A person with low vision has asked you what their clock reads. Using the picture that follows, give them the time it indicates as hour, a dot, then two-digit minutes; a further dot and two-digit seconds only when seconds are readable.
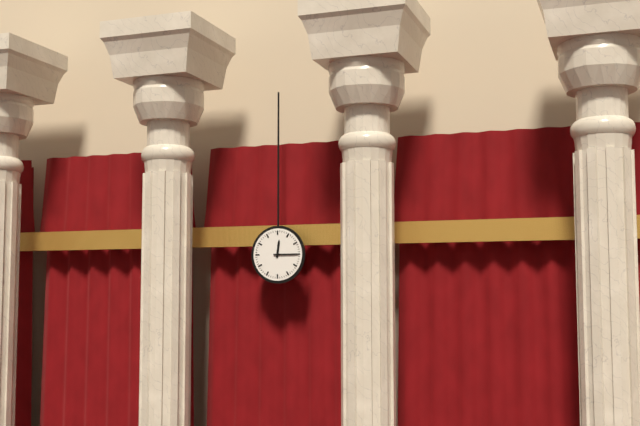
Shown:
12.15
